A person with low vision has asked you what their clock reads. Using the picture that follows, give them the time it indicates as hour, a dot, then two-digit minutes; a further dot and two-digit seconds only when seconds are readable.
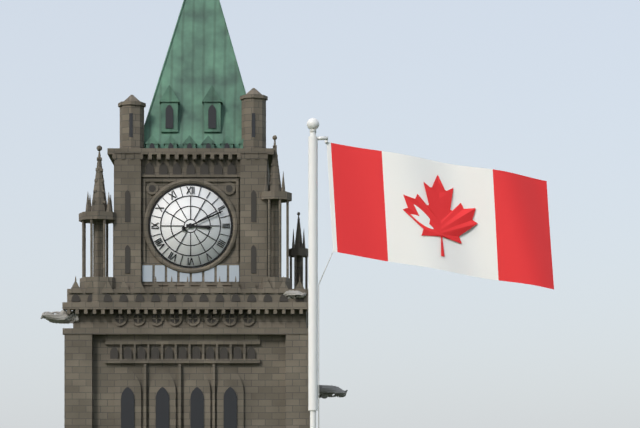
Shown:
3.11
